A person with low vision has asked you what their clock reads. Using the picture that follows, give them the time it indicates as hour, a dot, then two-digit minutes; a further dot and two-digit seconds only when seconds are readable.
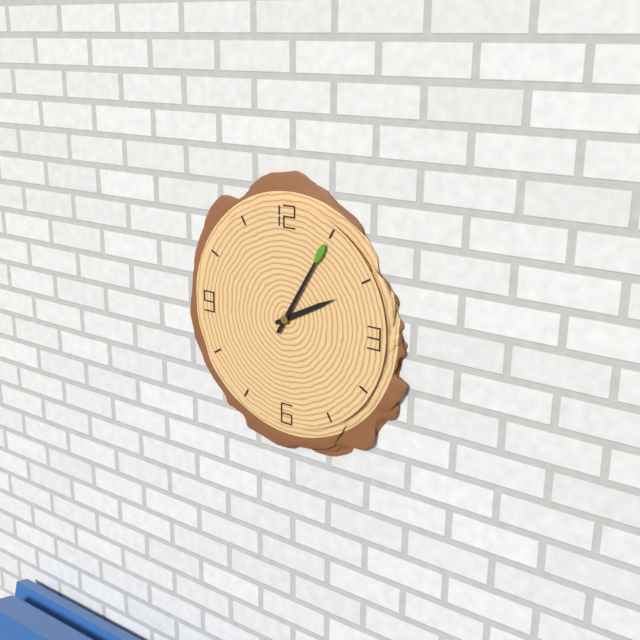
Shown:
2.05
